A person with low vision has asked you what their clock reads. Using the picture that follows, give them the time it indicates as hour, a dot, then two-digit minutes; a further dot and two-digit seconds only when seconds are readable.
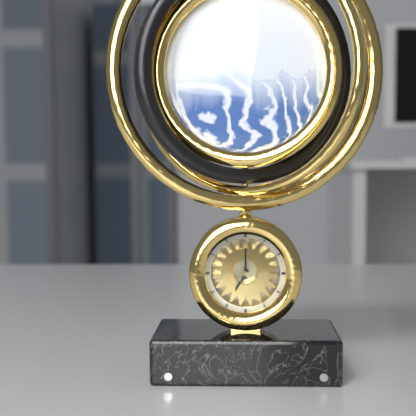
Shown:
7.00
